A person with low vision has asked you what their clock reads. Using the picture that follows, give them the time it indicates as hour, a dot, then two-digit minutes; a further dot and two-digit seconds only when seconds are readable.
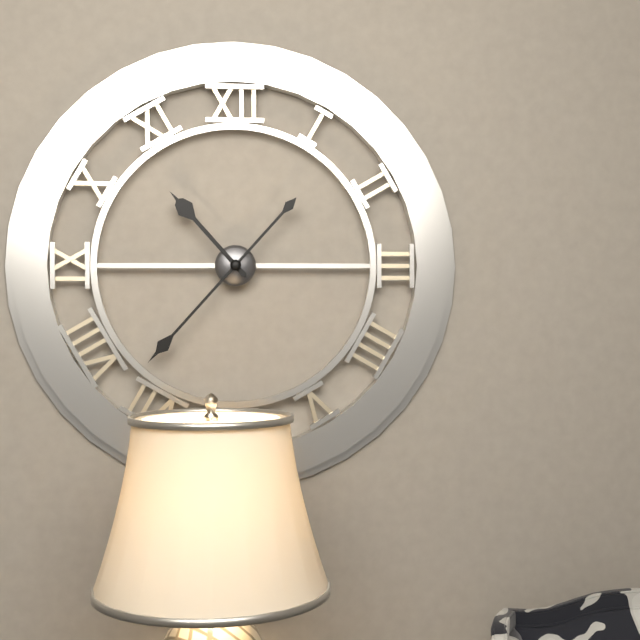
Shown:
10.37
